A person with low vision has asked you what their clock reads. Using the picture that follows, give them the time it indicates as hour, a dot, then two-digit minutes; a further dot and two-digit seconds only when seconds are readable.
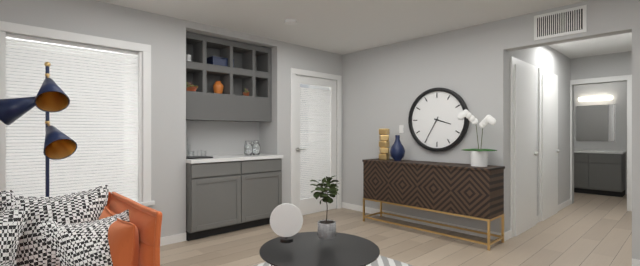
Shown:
3.35
